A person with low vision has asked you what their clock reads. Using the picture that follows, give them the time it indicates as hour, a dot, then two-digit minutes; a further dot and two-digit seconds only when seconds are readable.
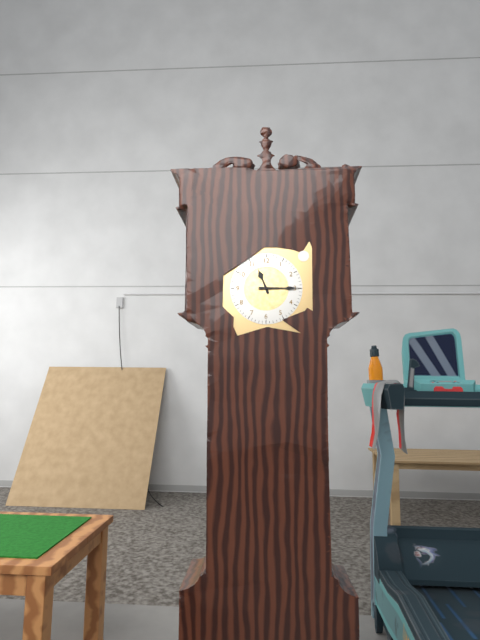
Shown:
11.15
